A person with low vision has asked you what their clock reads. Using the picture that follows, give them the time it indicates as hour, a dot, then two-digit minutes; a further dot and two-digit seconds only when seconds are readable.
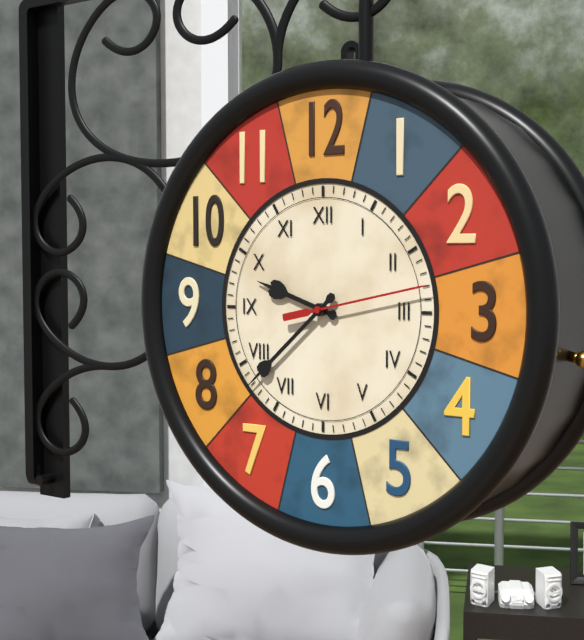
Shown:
9.38.13
